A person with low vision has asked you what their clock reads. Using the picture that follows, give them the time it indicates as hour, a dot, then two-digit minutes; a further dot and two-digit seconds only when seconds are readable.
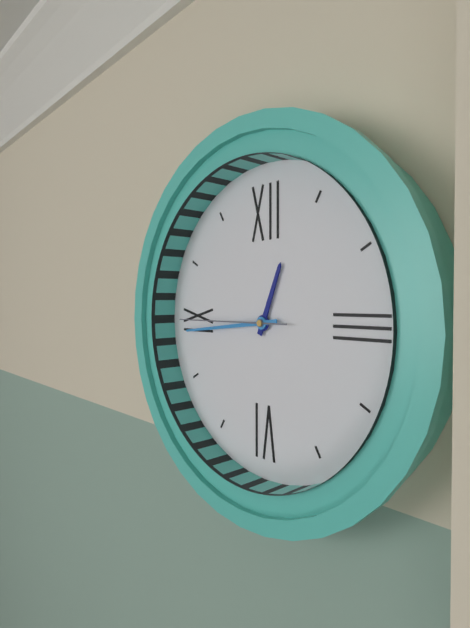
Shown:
12.44.45
